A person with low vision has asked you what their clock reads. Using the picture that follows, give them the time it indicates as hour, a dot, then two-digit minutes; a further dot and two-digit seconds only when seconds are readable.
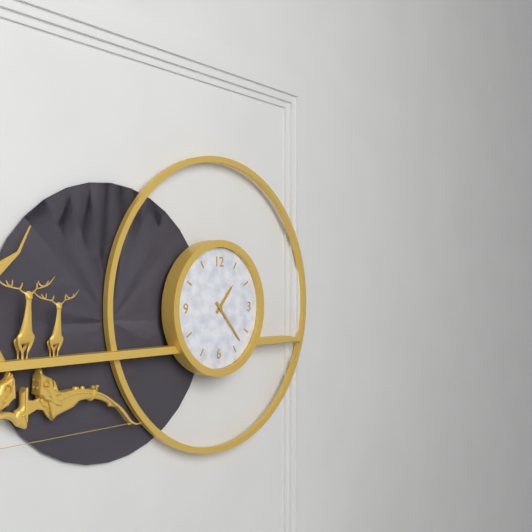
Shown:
1.23
